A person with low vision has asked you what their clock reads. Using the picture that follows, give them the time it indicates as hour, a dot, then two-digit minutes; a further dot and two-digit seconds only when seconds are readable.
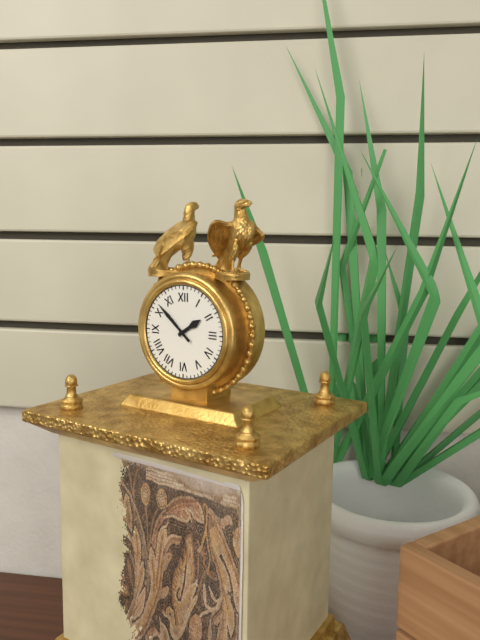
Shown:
1.52
